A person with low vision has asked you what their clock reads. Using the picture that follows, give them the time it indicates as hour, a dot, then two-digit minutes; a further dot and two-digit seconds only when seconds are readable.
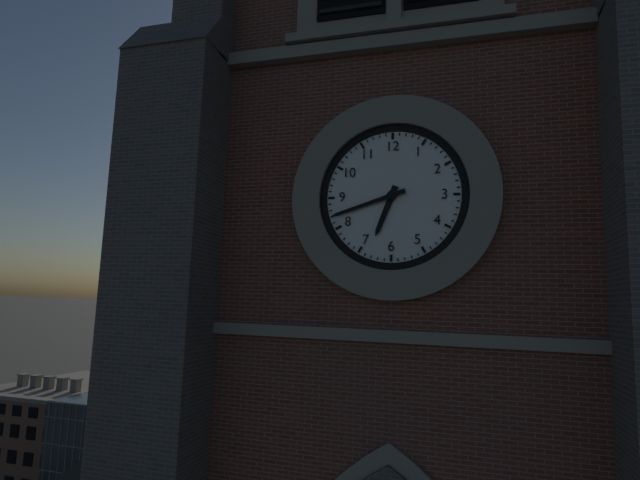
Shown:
6.42
